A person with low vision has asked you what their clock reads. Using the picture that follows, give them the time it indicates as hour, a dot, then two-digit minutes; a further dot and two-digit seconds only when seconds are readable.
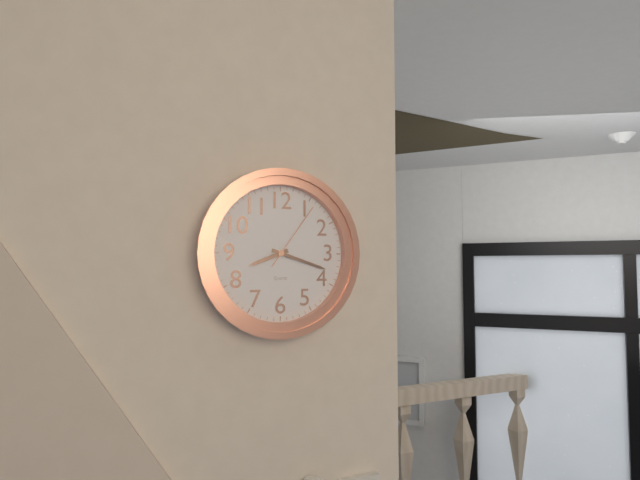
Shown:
8.18.06
